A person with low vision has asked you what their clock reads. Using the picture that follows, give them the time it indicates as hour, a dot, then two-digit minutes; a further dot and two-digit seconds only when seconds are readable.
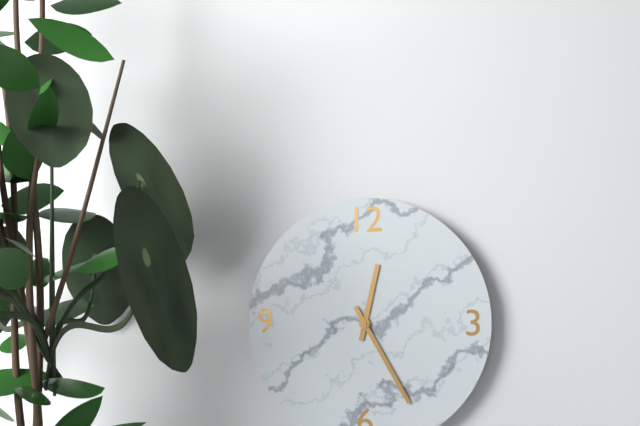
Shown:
12.25
